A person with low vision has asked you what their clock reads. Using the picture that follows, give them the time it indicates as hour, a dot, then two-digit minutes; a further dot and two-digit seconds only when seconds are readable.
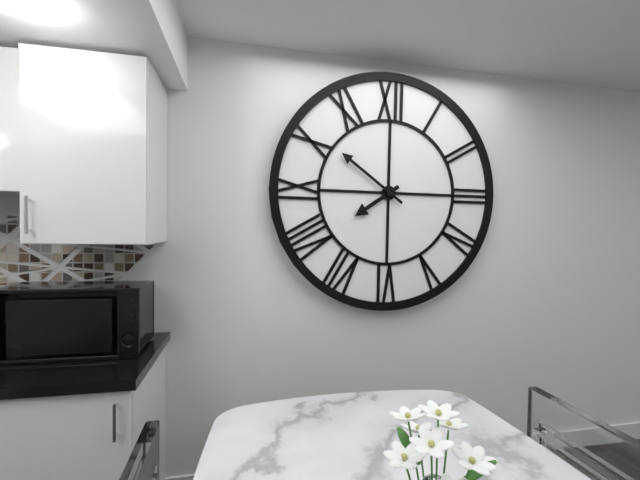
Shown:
7.51
